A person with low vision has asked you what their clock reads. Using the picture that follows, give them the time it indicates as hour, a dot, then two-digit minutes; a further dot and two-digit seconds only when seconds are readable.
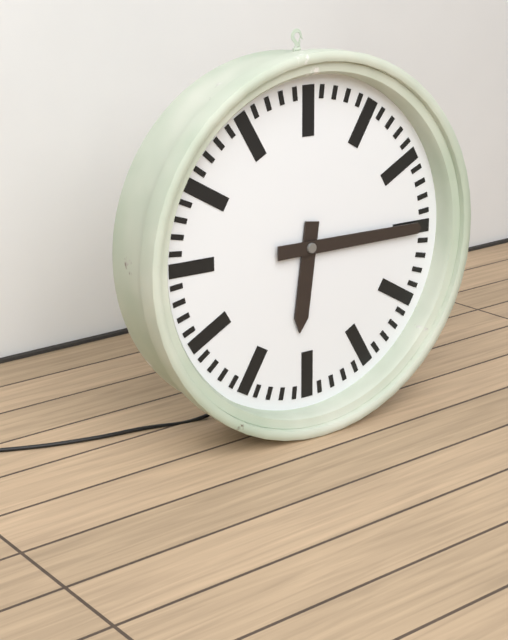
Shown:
6.15
